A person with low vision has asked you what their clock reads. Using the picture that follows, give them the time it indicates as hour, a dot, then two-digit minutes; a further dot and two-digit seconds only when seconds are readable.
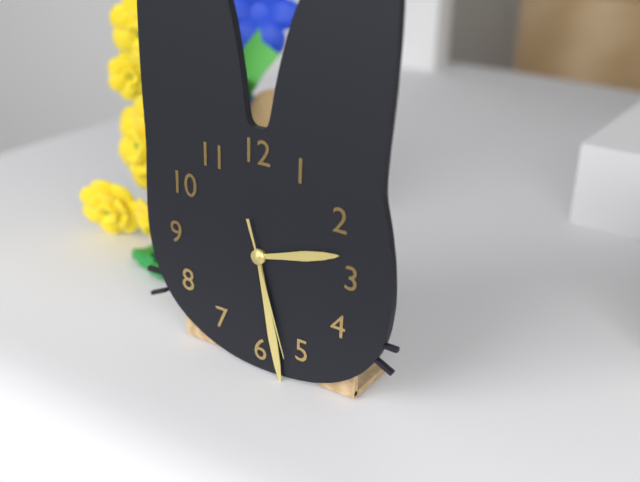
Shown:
2.28.27
